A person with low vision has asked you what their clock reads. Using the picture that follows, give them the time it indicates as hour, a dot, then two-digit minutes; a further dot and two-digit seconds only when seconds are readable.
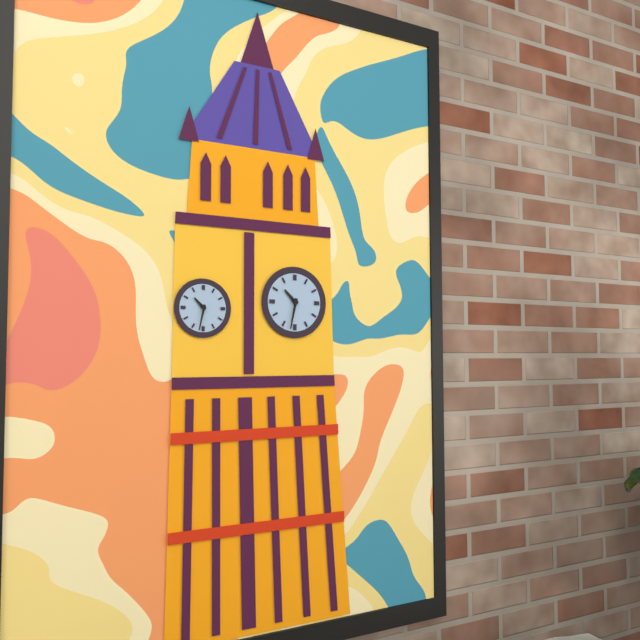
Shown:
10.32
